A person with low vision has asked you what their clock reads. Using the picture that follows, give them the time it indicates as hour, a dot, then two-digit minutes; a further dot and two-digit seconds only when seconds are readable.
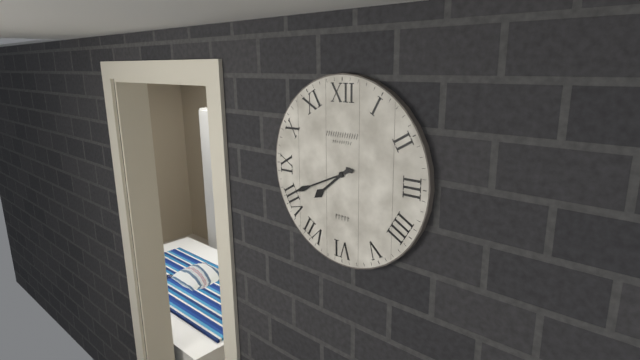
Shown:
7.41
